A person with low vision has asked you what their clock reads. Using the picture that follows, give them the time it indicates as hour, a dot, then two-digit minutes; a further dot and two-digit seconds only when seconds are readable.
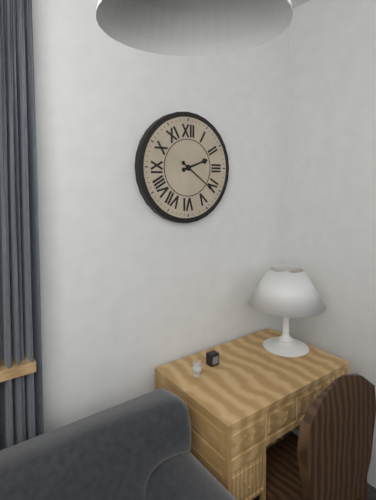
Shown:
2.21
